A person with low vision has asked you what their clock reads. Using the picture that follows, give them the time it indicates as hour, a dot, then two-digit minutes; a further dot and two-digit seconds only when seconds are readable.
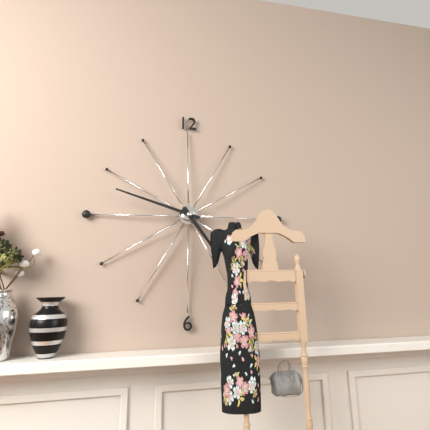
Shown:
4.48
